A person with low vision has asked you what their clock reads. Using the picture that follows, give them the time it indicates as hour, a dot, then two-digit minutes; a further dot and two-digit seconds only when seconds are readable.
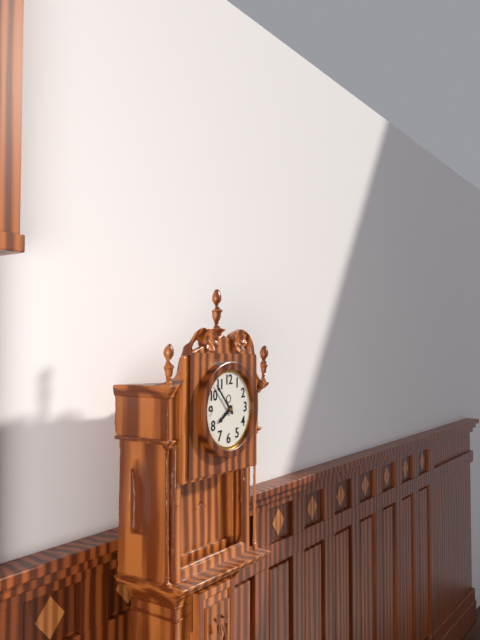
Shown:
7.53
